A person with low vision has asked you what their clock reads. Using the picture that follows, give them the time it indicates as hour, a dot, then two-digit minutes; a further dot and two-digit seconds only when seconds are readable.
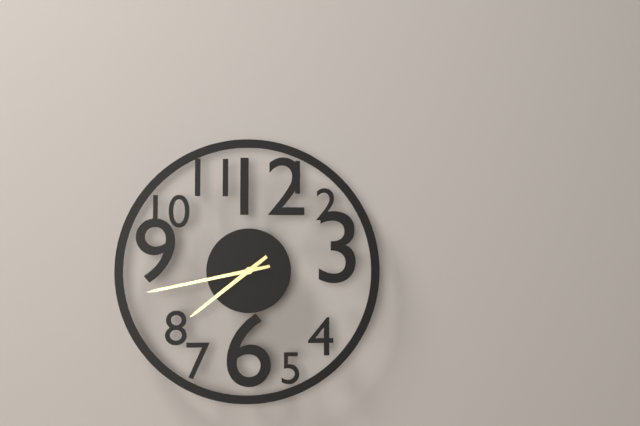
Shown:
7.43
